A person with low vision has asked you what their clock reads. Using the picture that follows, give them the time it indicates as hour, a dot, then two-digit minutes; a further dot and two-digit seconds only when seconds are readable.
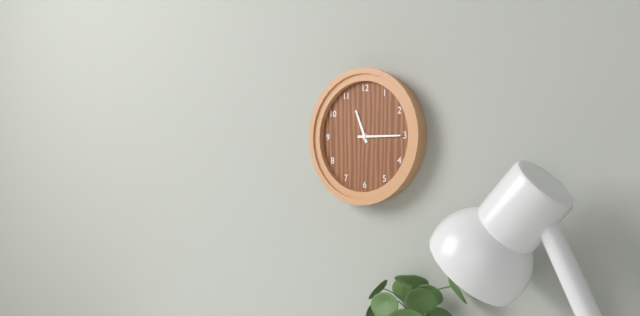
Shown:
11.15
